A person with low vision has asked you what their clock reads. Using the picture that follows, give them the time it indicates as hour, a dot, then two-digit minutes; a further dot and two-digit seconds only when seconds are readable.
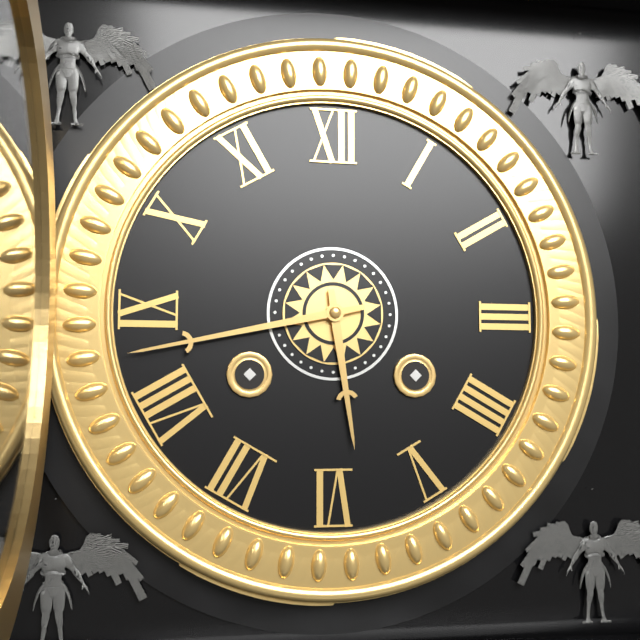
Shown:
5.43
